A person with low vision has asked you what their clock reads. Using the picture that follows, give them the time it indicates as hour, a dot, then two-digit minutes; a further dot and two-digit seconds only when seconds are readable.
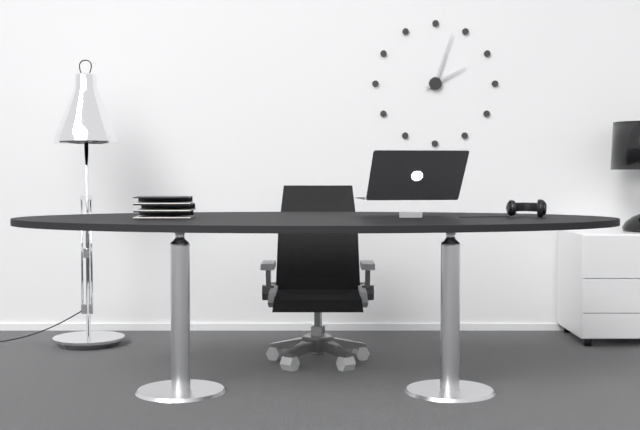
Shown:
2.03
